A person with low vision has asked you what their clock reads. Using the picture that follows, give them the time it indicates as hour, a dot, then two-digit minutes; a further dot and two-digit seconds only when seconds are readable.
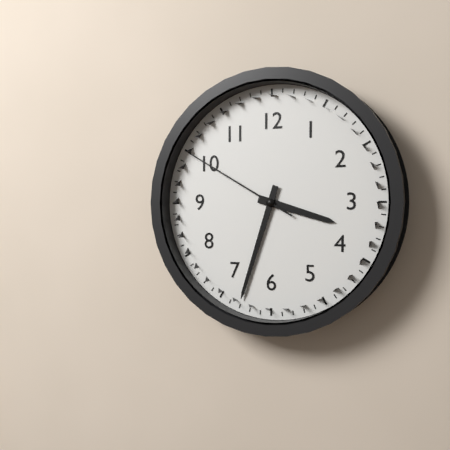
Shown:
3.33.50
